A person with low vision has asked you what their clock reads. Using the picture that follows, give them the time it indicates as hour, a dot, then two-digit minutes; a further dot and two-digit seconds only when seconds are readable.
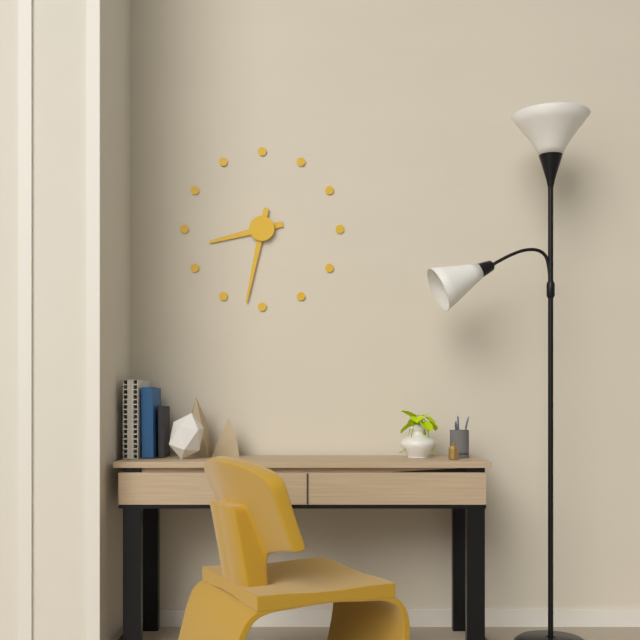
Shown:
8.32
